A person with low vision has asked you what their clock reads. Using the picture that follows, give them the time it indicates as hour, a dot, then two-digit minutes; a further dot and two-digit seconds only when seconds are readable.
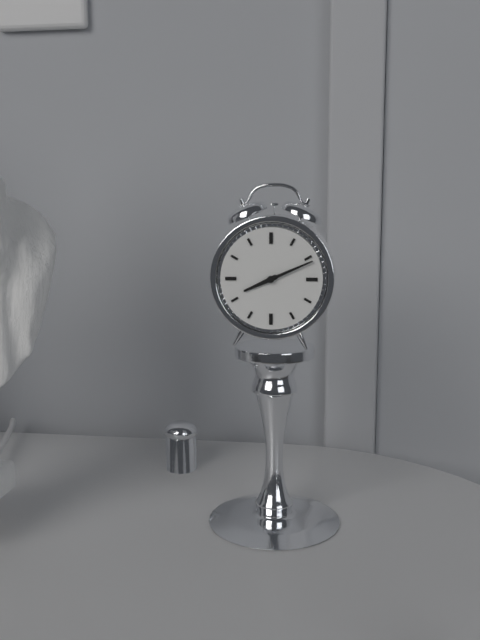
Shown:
8.11
